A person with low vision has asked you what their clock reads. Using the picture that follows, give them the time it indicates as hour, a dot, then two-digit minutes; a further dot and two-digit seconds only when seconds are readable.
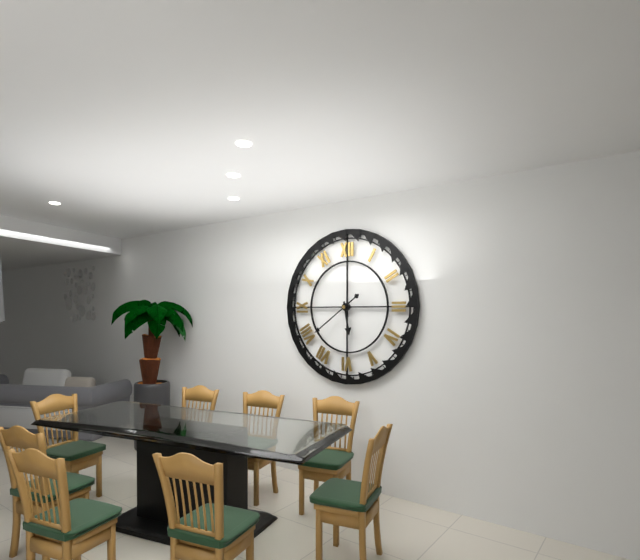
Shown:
5.39
